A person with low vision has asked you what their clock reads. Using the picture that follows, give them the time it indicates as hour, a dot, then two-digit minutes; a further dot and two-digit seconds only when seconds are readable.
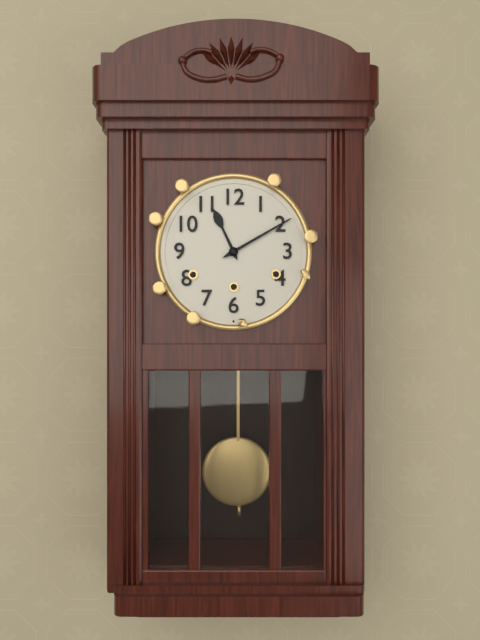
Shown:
11.10
